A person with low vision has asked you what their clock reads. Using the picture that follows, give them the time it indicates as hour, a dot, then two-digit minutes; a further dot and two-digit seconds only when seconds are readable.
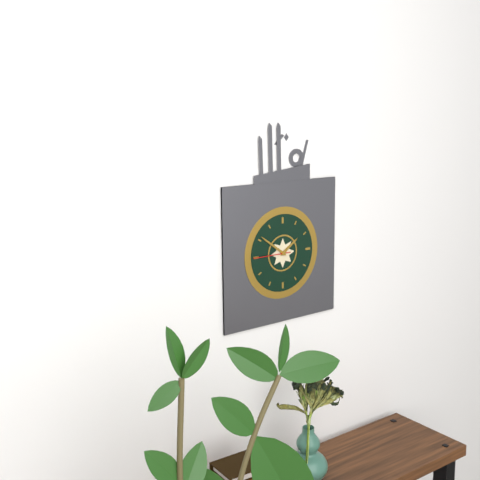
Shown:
1.51
